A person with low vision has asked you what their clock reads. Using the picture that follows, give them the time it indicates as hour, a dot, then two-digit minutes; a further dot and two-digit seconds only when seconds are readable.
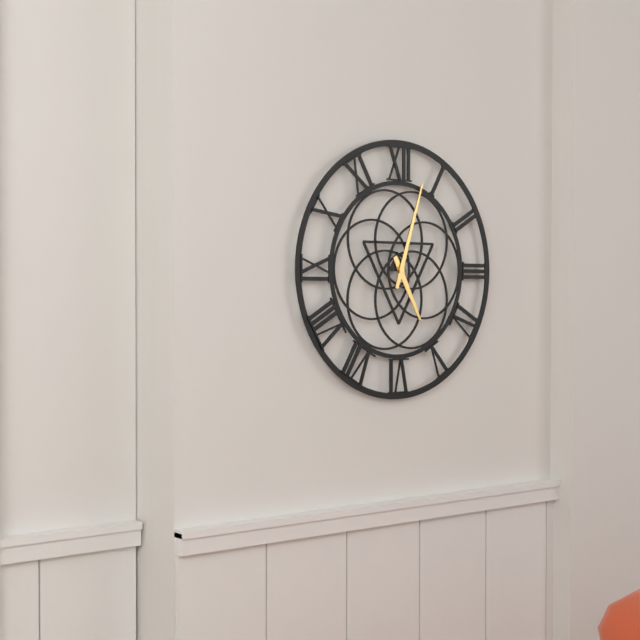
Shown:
5.03
